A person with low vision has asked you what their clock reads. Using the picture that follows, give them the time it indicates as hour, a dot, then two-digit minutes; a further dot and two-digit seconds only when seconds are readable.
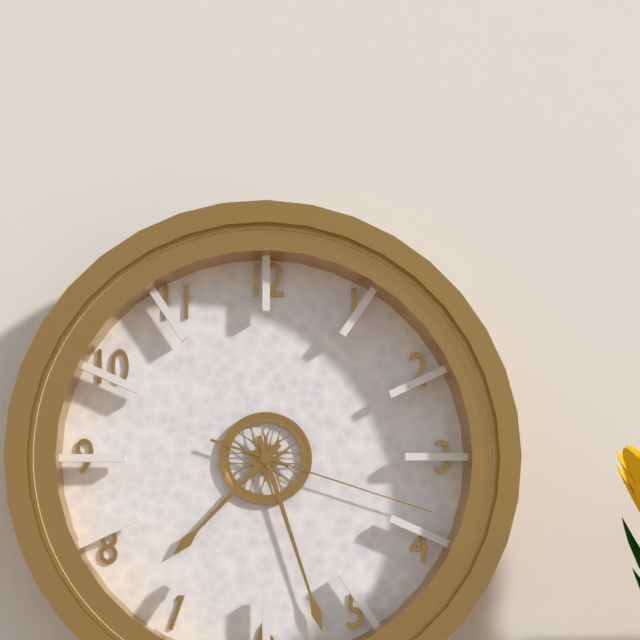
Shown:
7.27.18
